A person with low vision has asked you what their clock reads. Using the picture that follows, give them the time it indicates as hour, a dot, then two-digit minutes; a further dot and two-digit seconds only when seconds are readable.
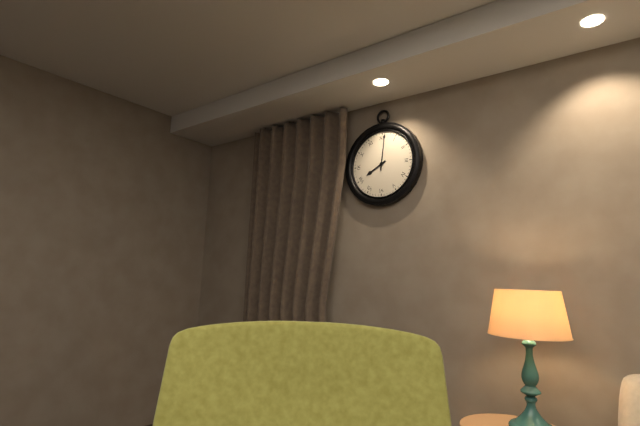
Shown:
8.01
